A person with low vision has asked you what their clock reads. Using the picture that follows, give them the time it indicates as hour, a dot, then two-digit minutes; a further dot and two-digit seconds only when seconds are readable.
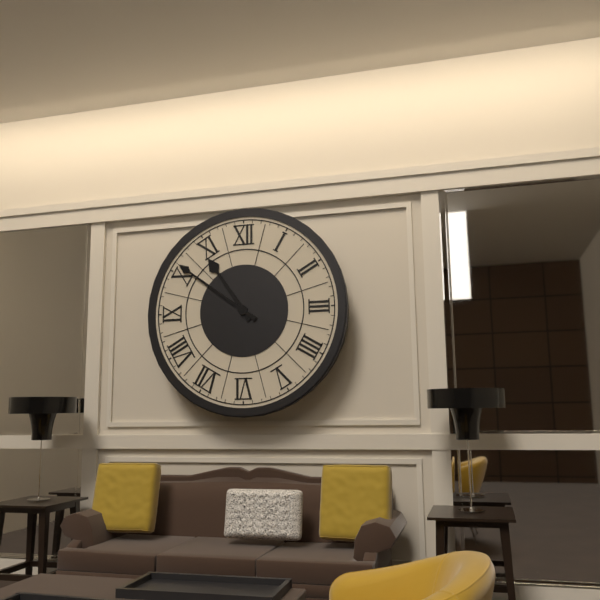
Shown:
10.51
